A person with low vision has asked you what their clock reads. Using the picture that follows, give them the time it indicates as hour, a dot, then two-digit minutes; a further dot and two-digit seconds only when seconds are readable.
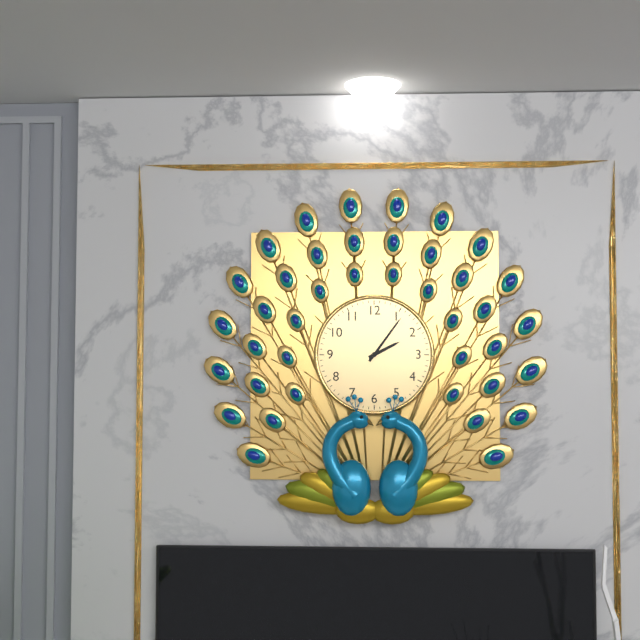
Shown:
2.06
